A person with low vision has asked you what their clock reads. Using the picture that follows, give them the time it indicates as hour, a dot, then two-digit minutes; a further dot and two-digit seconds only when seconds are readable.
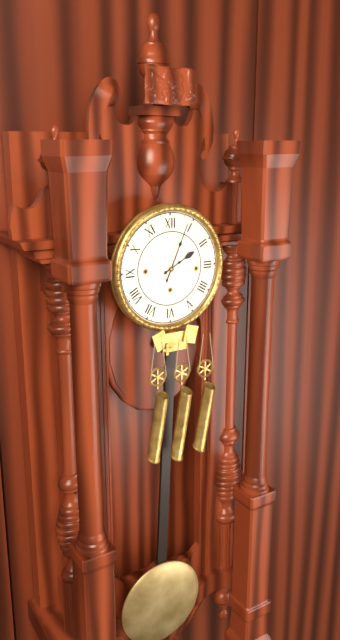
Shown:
2.04
